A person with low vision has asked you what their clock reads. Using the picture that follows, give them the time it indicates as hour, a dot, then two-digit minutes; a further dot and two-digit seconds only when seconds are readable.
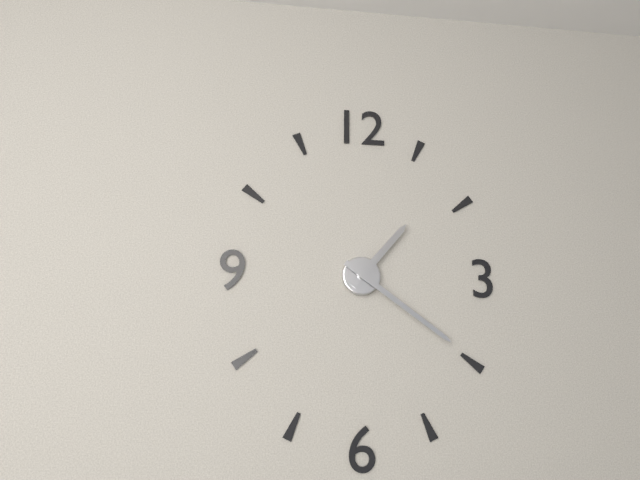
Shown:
1.21
